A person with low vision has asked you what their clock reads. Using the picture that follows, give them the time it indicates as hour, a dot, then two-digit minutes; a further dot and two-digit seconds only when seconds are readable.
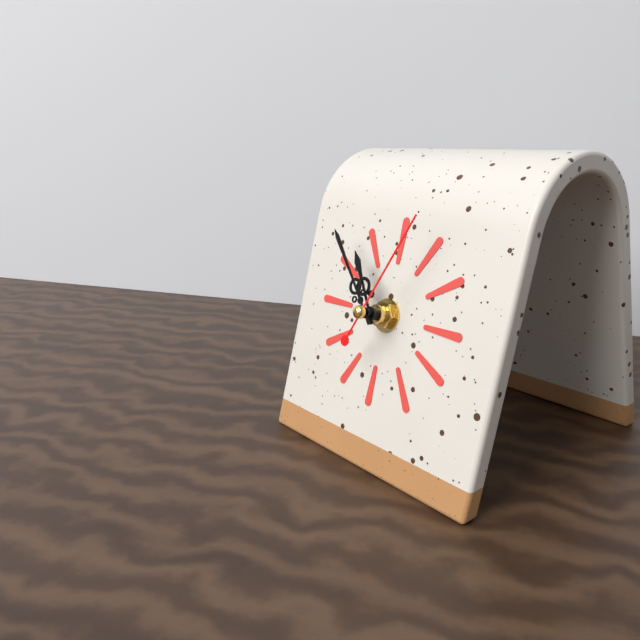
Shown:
10.53.04
